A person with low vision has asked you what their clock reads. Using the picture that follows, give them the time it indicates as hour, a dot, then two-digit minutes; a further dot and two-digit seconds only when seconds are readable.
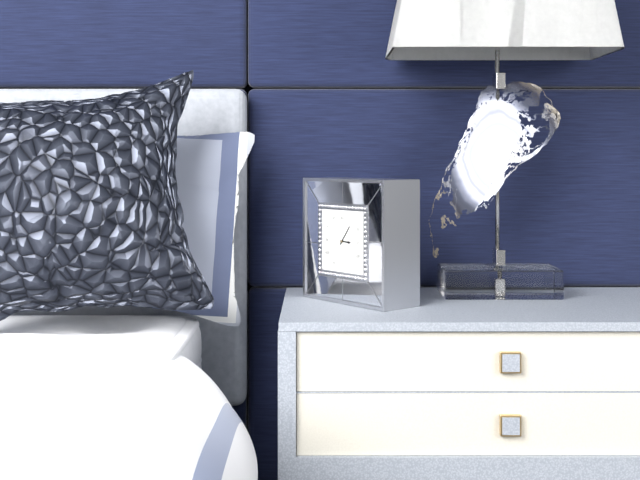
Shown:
3.06
